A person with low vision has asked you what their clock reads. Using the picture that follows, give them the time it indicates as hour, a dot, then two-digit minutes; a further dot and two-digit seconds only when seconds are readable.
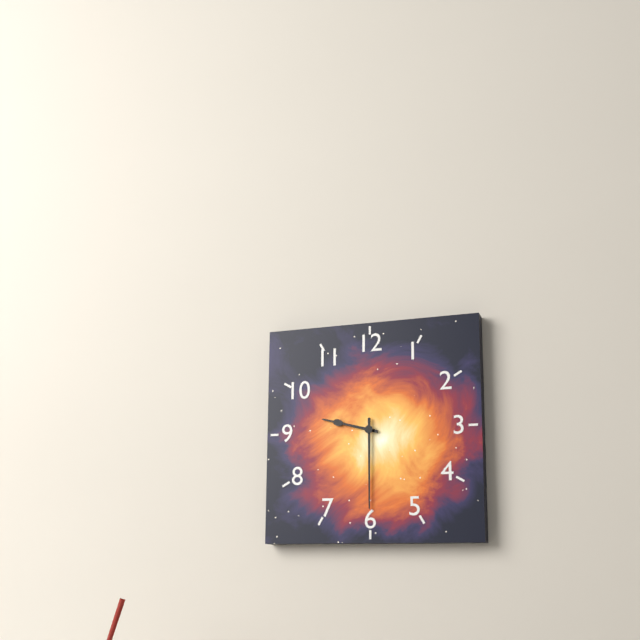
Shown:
9.30
